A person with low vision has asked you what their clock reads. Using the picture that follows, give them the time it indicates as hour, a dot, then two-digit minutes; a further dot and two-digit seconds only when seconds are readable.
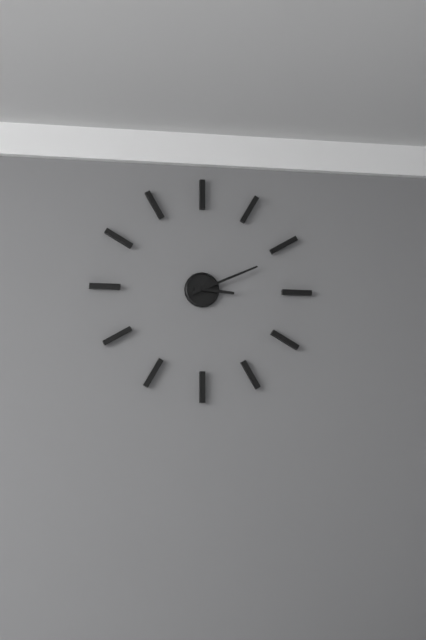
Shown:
3.11
